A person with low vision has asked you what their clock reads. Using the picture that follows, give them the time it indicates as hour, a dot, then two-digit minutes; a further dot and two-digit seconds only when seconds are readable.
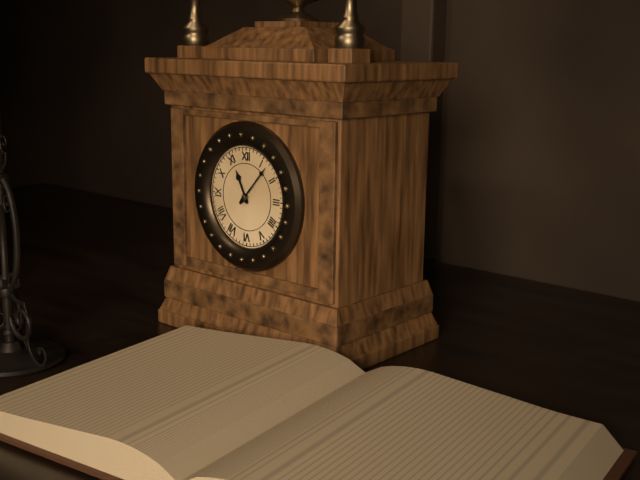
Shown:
11.07
